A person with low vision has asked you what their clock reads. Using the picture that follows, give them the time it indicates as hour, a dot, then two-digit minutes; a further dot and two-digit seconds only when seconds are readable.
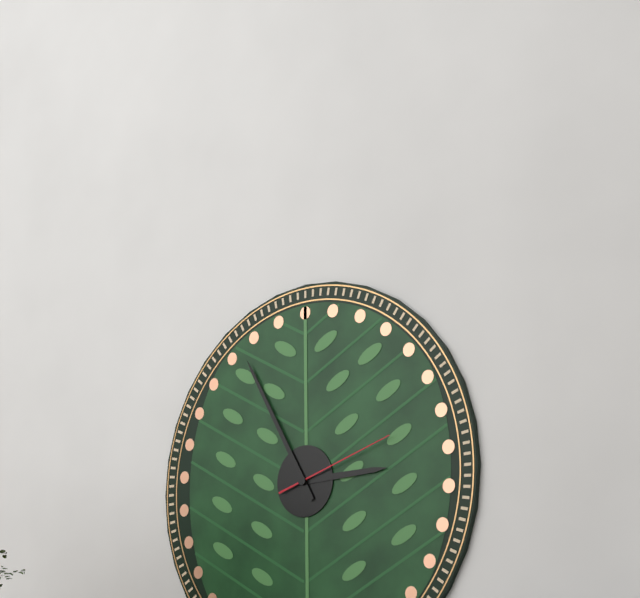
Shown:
2.55.12
